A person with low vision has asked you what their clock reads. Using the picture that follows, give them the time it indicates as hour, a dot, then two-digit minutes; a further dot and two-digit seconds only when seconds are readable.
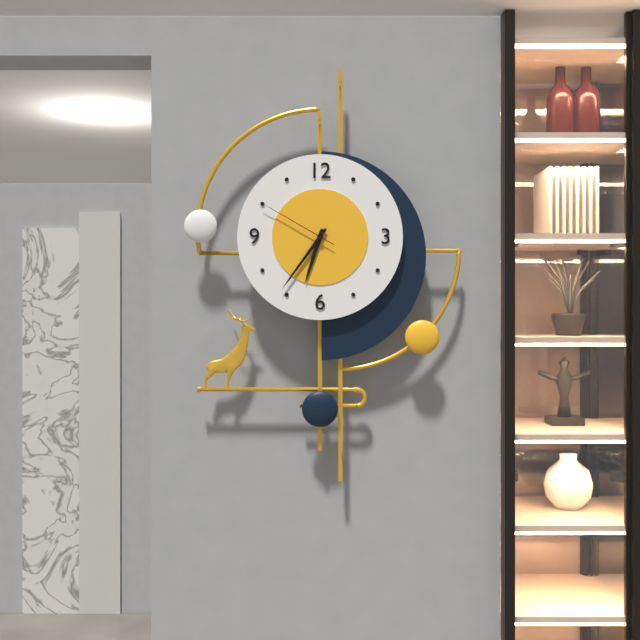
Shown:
6.36.50
